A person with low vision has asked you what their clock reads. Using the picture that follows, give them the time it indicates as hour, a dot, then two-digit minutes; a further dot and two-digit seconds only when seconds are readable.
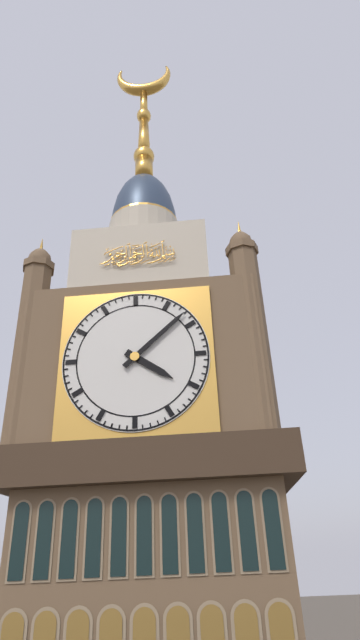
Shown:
4.08
